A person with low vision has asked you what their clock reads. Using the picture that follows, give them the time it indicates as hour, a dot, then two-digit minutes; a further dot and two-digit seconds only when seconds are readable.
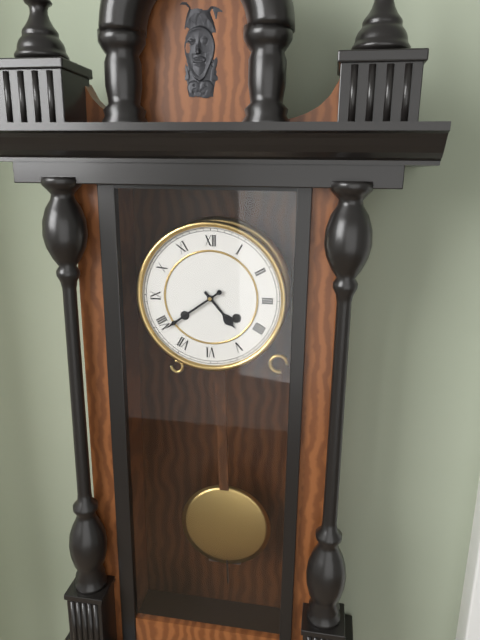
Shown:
4.39
